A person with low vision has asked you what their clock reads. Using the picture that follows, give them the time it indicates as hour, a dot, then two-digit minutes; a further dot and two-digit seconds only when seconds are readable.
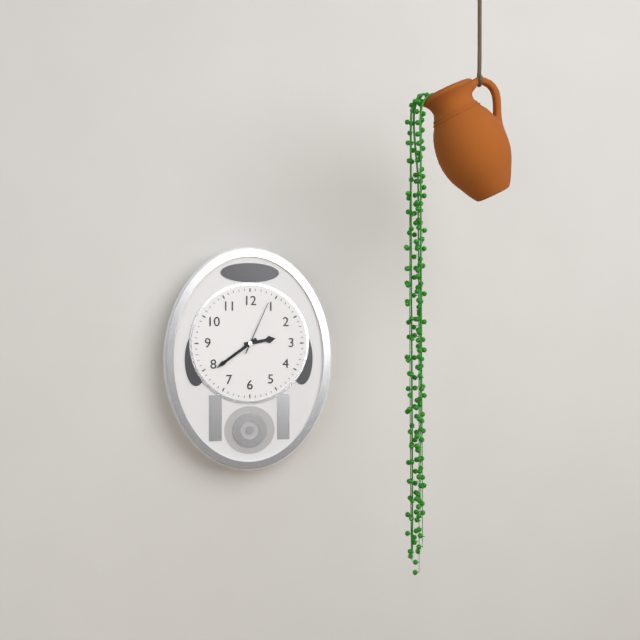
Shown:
2.39.04
